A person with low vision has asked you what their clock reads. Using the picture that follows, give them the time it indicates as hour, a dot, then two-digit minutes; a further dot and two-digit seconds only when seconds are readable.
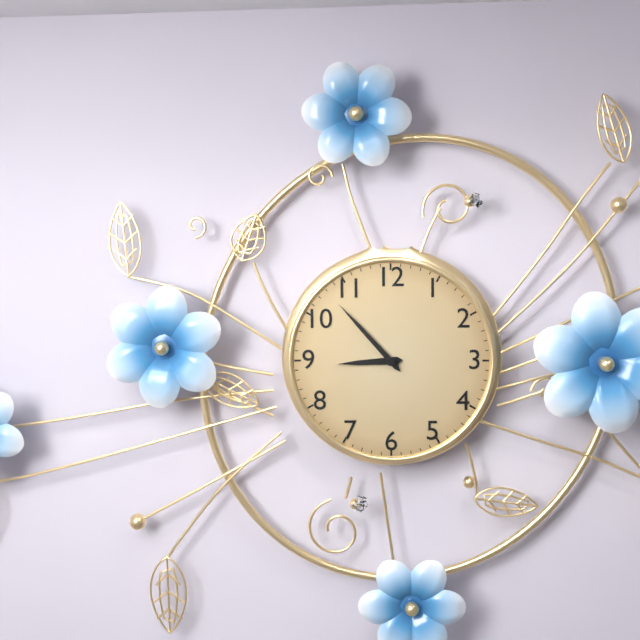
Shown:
8.53
